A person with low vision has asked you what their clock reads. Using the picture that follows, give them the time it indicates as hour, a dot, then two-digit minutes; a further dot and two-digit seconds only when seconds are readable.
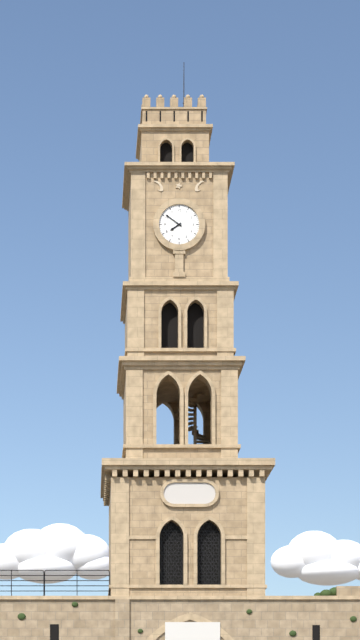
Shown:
7.51
